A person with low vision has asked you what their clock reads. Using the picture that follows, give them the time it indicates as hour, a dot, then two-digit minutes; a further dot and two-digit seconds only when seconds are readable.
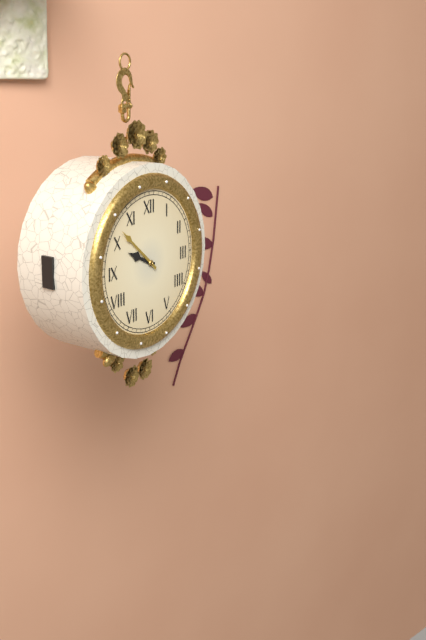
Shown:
9.52
